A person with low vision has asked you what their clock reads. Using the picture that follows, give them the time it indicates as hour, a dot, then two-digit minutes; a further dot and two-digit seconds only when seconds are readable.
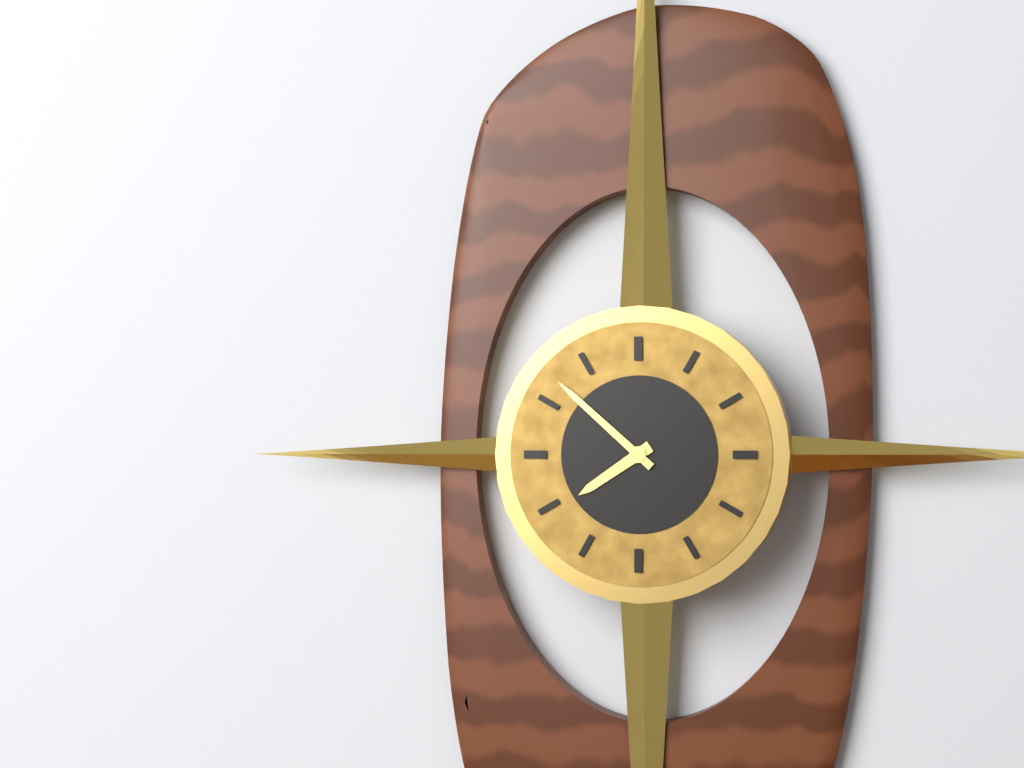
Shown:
7.52
